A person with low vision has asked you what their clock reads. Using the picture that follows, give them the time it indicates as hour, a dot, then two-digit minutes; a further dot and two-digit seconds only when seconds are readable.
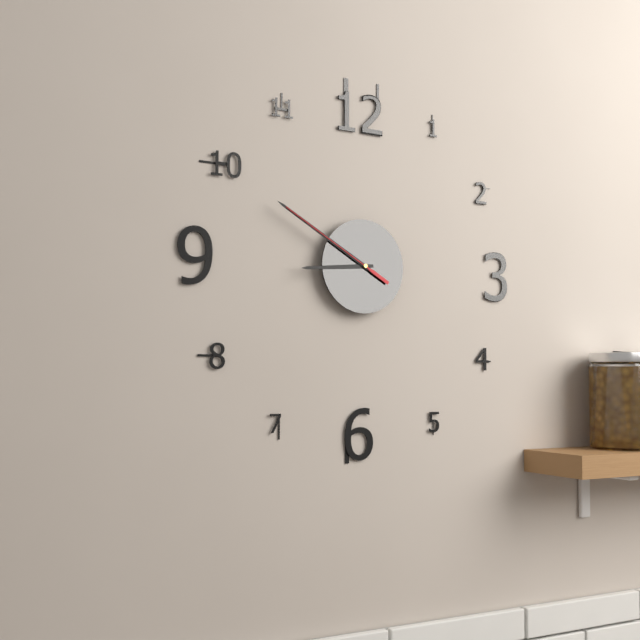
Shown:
8.50.50
